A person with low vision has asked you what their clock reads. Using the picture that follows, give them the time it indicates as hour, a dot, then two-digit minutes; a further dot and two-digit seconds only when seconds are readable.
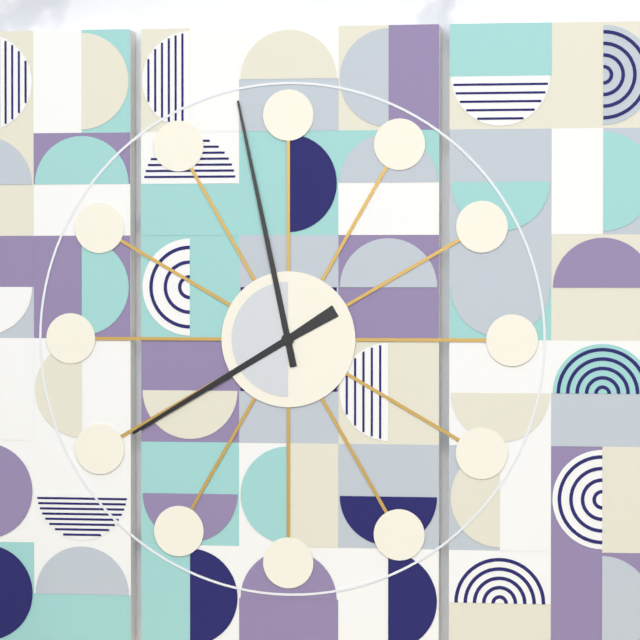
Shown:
7.58
